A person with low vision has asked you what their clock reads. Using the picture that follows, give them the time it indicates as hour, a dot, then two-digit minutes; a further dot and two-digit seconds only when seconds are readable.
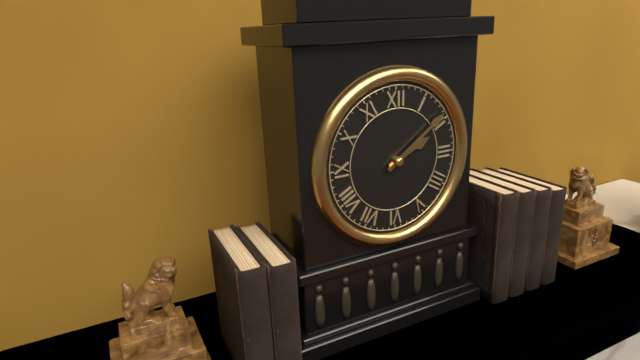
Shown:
2.09
